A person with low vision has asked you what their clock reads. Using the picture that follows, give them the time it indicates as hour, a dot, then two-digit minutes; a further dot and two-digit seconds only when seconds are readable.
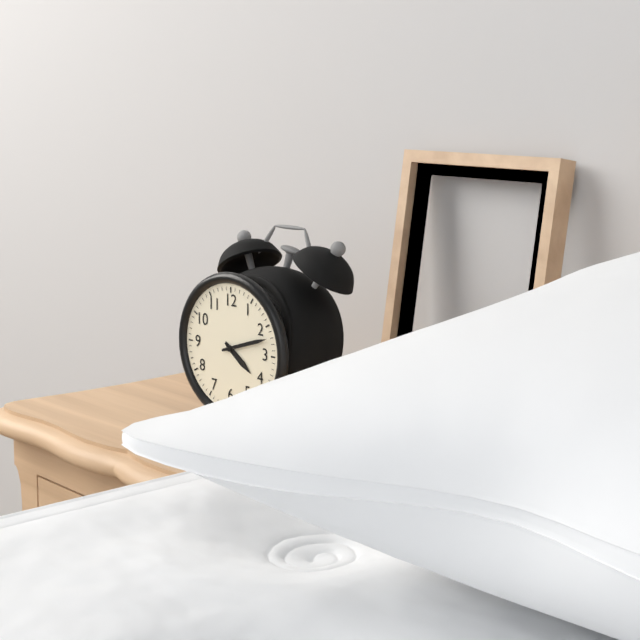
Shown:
4.12
